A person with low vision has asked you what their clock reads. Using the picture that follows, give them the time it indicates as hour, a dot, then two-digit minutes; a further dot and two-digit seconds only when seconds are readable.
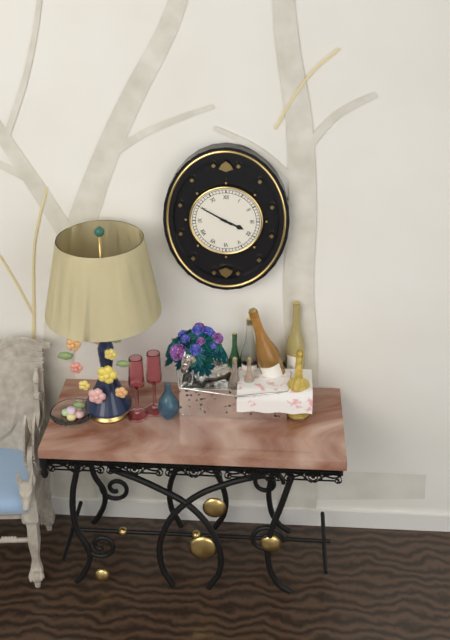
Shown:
3.50
